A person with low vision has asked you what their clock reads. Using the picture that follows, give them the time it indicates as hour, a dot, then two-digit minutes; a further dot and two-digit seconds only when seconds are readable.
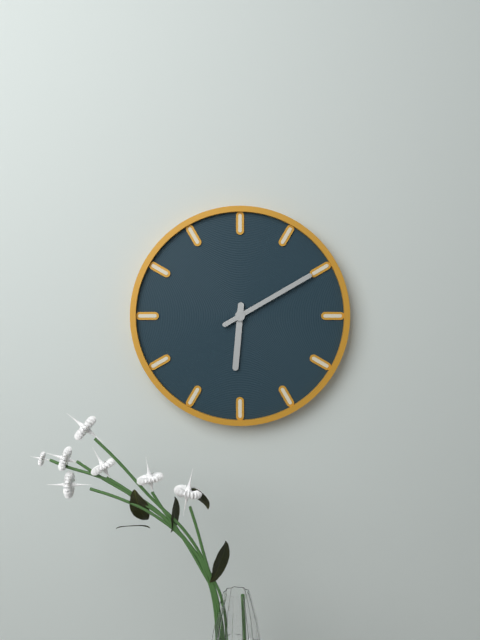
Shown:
6.10
